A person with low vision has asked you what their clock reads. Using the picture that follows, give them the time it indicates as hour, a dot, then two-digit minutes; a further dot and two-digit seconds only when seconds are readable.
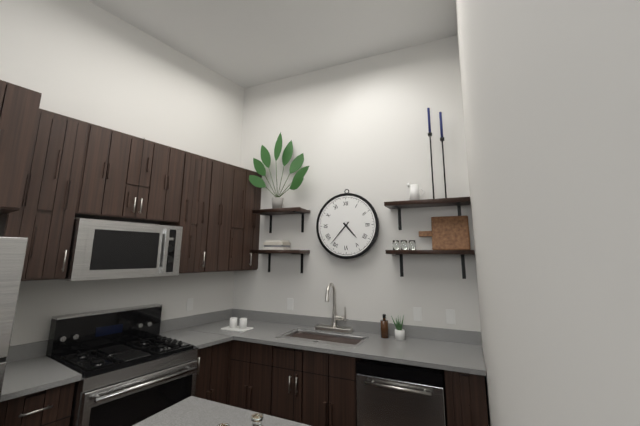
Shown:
4.37
